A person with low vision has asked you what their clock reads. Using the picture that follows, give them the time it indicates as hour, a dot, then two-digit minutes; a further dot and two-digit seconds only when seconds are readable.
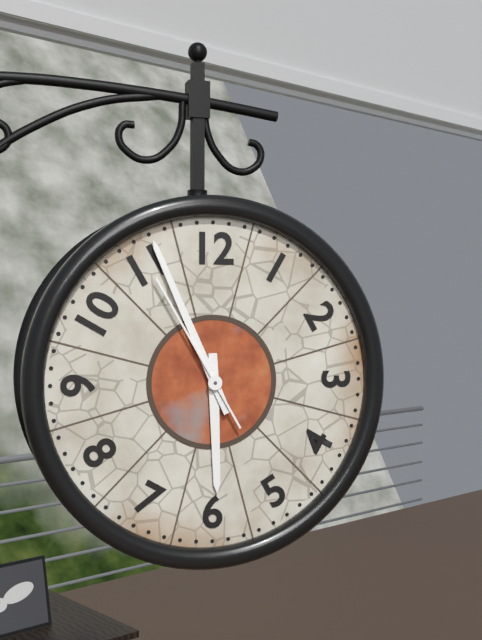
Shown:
5.56.55
